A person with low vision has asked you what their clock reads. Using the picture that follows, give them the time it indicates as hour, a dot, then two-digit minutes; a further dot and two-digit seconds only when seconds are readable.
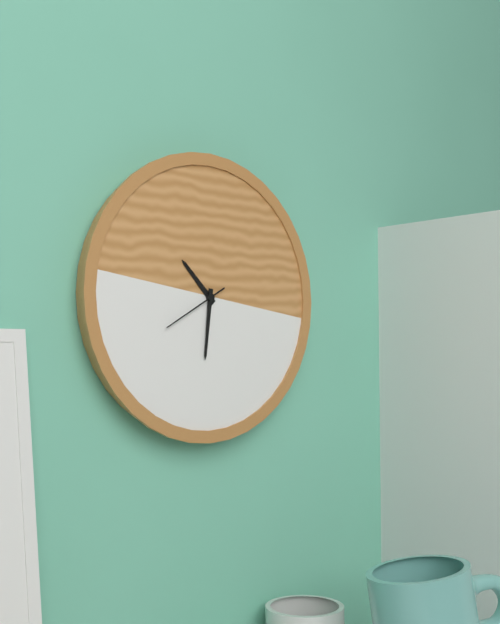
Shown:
10.31.40
